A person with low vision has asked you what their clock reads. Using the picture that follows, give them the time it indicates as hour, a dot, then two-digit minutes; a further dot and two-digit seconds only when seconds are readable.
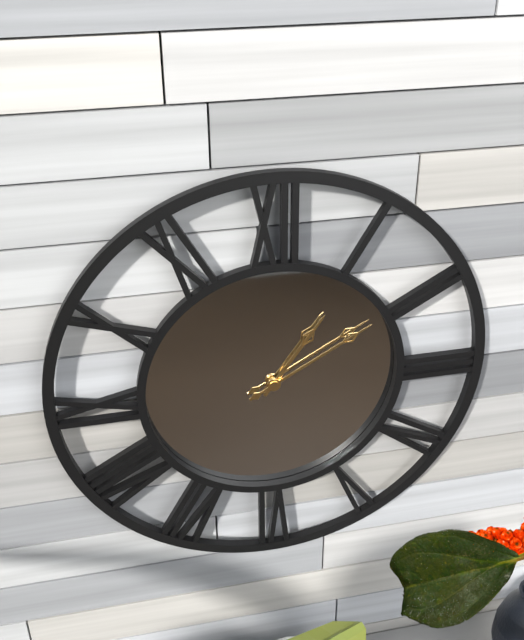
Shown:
1.10
